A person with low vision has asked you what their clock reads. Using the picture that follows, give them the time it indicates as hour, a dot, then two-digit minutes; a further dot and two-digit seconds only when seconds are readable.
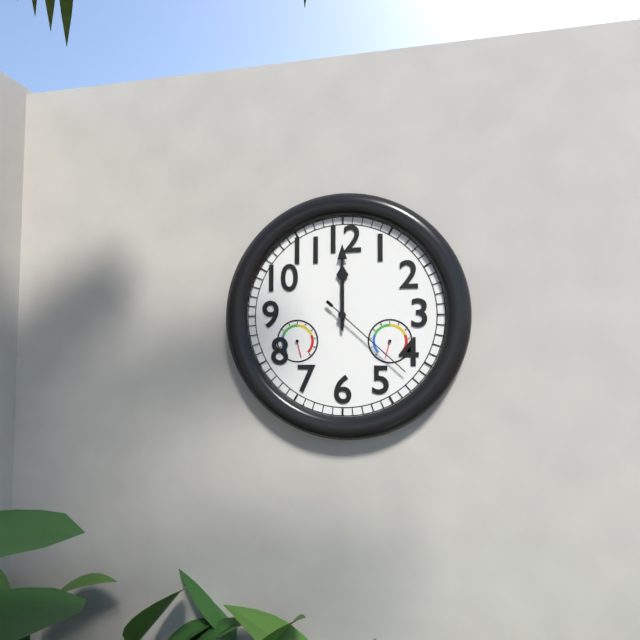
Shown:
12.00.22
